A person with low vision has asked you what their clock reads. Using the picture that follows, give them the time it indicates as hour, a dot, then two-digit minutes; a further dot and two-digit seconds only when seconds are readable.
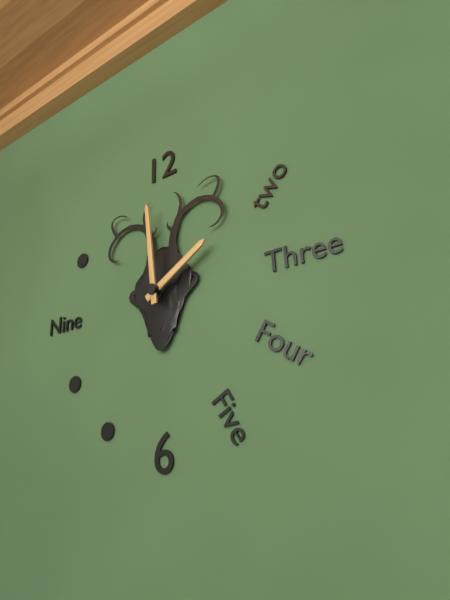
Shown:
1.59
